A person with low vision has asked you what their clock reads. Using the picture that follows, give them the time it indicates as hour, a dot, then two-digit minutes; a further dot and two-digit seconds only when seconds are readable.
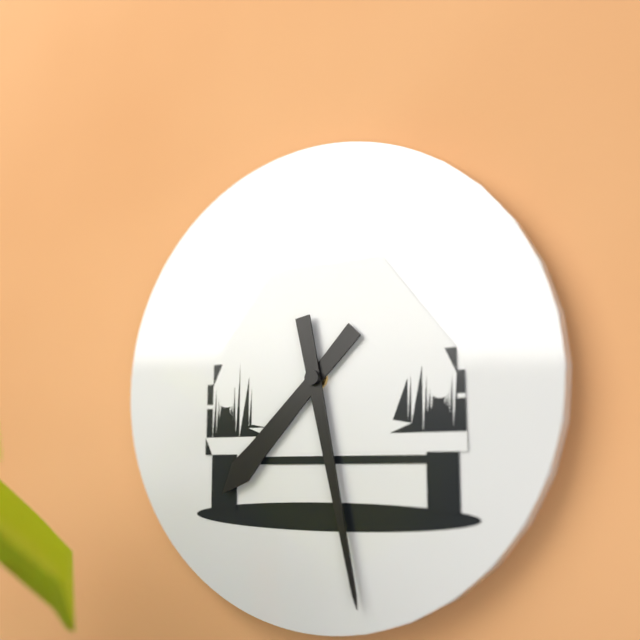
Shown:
7.28
